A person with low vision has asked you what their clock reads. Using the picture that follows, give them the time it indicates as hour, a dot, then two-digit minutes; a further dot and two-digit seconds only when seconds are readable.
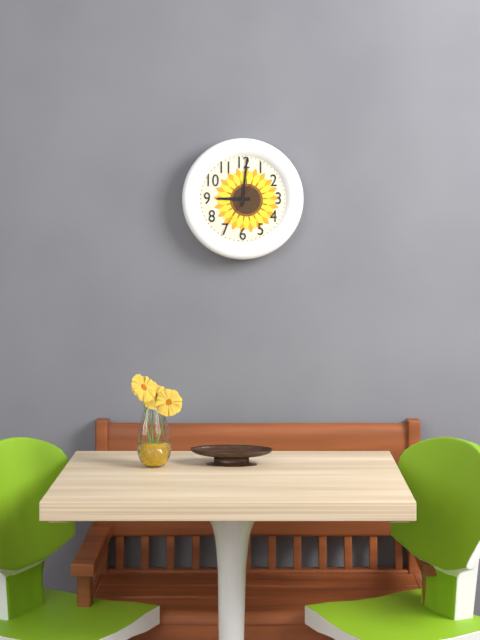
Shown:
9.01.35
